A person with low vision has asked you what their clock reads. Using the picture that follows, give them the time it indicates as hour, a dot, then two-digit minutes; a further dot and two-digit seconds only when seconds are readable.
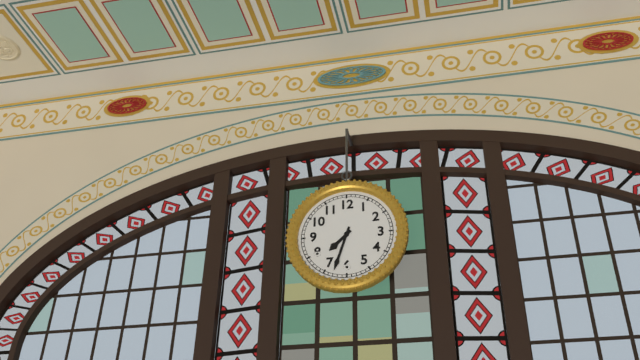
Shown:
7.33
